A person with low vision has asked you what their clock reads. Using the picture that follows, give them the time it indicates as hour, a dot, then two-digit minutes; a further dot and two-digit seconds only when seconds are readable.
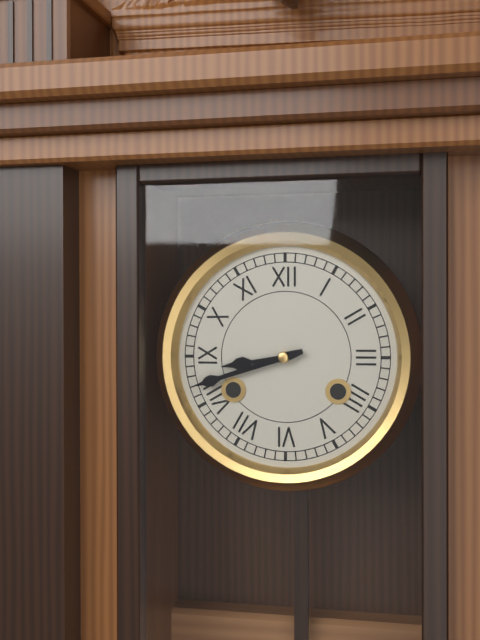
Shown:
8.42
